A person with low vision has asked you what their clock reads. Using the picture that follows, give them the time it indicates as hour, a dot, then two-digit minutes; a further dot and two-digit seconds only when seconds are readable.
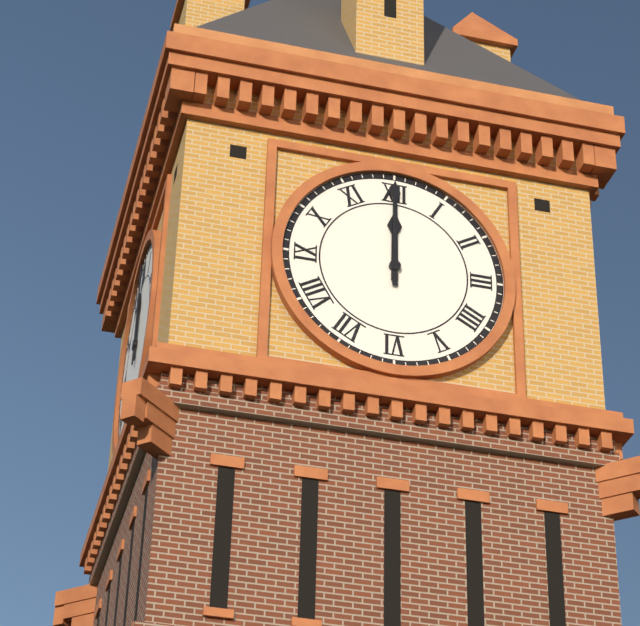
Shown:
12.00
